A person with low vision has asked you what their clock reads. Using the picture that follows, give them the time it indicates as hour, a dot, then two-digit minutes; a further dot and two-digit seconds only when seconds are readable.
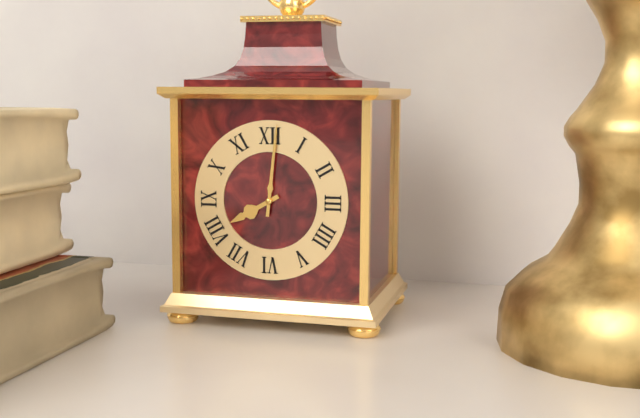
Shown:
8.01
